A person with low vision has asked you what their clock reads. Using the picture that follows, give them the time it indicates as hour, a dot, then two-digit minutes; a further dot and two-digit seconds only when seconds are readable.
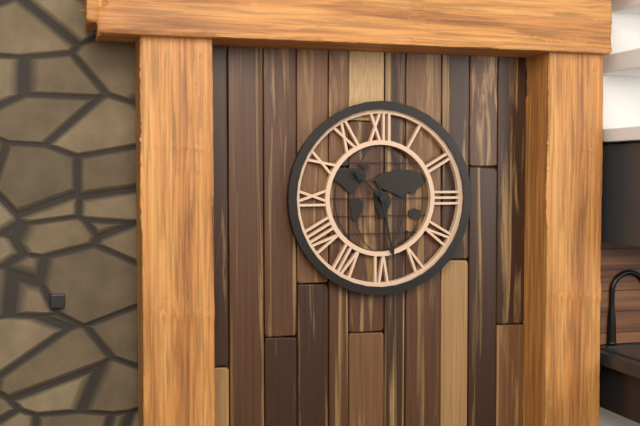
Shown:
10.28
